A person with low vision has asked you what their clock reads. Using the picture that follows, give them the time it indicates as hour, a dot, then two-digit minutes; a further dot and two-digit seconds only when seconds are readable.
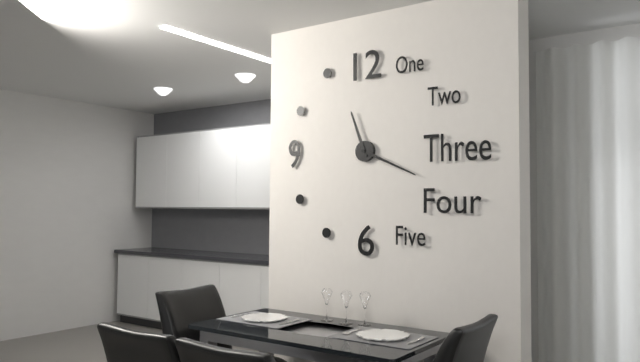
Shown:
11.19
